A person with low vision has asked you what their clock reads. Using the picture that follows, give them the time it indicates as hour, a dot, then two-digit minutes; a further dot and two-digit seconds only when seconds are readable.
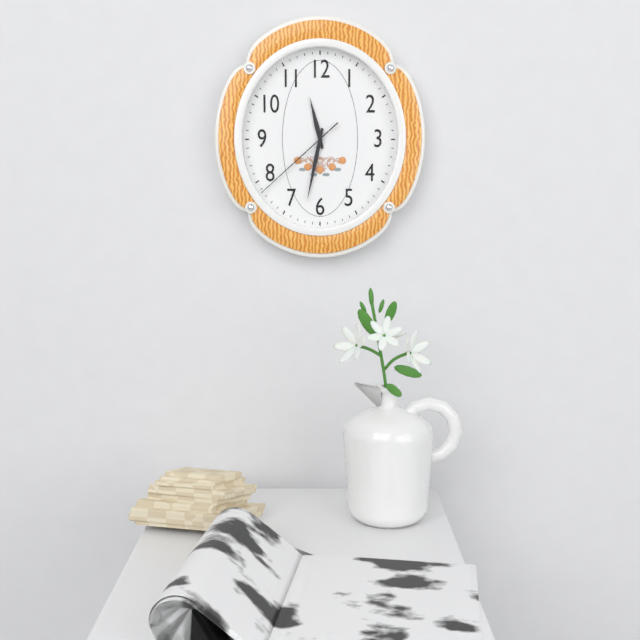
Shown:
11.32.38
